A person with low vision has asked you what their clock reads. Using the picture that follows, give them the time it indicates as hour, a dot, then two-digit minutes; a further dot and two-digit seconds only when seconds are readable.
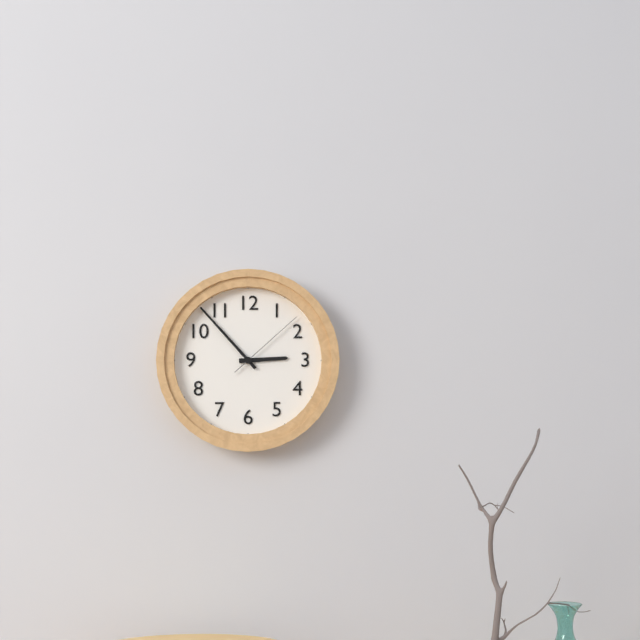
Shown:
2.53.08
